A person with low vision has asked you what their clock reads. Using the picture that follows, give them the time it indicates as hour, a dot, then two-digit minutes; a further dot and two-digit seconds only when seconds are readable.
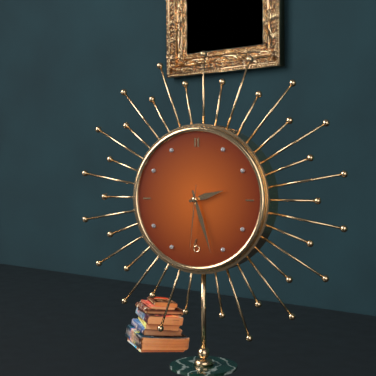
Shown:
2.27.31
